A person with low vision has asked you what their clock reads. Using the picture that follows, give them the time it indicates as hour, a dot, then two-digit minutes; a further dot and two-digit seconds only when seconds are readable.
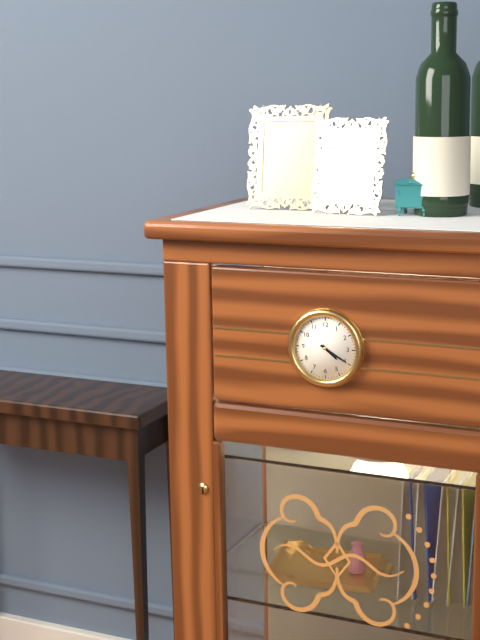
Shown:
4.20
